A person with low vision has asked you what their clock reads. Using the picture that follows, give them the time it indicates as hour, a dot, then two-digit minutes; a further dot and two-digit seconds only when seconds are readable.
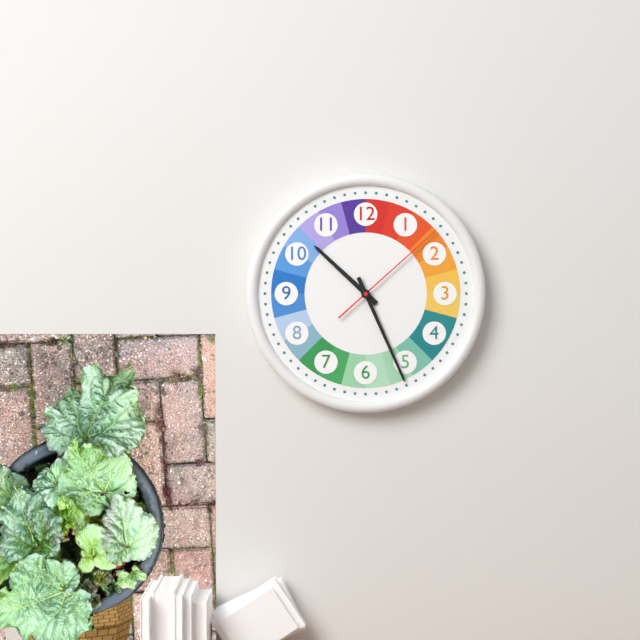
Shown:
10.26.08
